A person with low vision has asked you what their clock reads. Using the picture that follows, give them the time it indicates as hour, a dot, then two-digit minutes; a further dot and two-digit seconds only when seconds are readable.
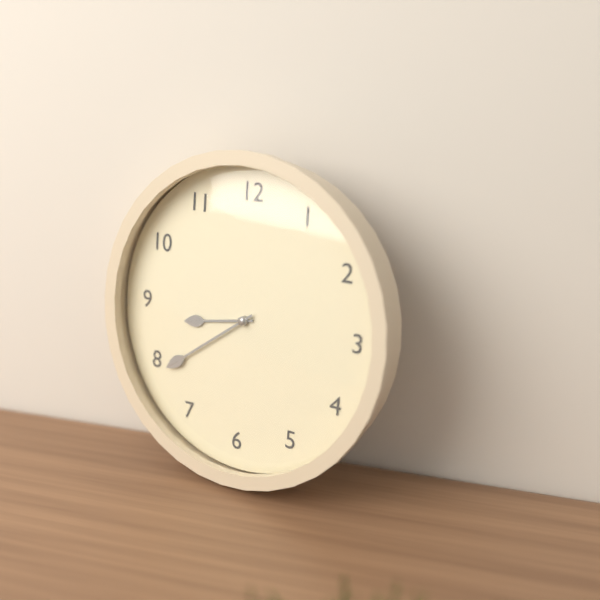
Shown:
8.39
